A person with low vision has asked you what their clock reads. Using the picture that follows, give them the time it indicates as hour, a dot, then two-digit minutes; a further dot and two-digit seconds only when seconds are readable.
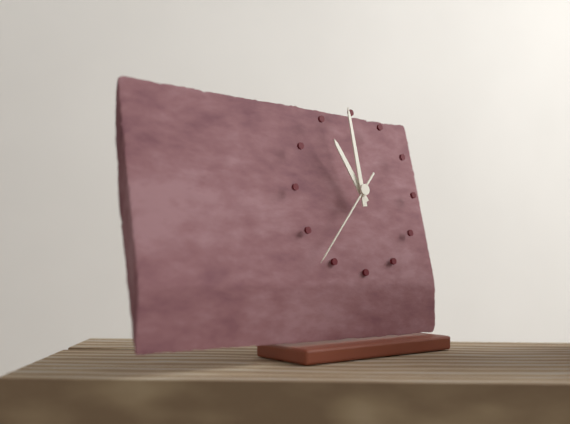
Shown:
10.59.37
